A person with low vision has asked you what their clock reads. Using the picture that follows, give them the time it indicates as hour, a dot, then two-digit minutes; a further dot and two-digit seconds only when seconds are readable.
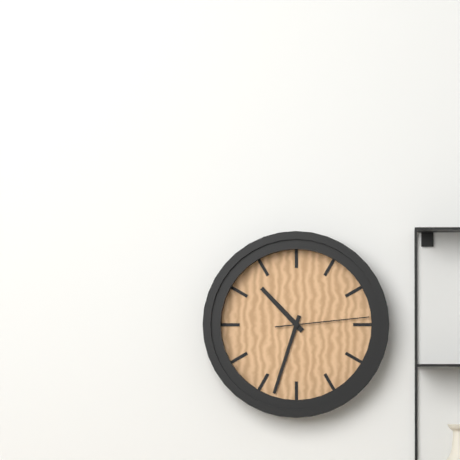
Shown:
10.33.14
